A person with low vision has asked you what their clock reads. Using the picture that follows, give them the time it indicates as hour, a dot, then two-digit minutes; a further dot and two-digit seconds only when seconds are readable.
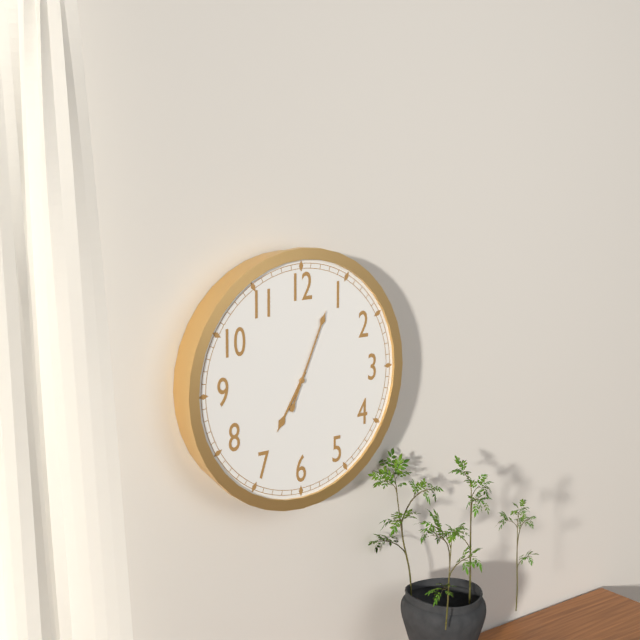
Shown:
7.04
